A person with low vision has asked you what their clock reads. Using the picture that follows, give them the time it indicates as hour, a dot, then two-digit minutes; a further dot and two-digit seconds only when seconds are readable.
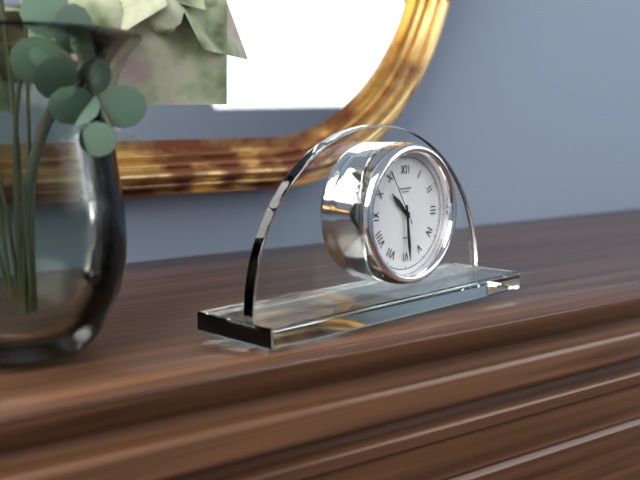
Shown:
10.29.55
